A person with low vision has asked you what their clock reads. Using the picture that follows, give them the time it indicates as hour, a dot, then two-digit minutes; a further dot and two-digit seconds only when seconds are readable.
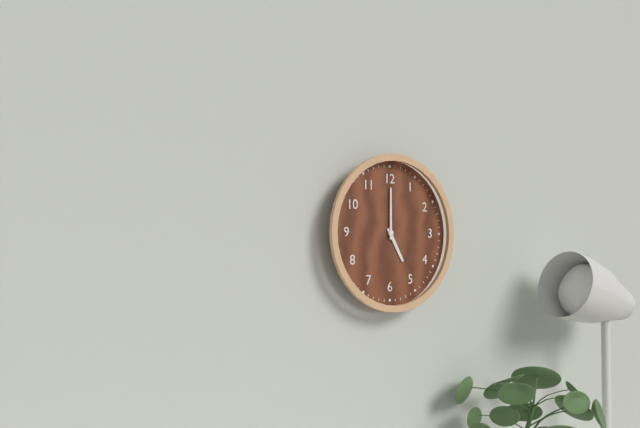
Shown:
5.00
